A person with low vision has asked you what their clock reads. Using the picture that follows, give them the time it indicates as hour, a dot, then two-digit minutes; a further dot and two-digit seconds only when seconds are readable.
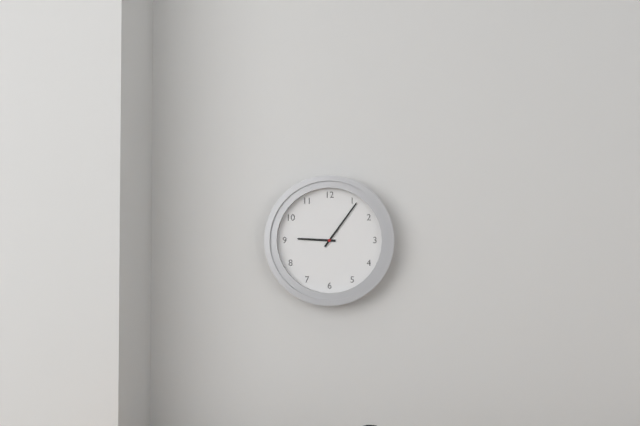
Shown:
9.06
